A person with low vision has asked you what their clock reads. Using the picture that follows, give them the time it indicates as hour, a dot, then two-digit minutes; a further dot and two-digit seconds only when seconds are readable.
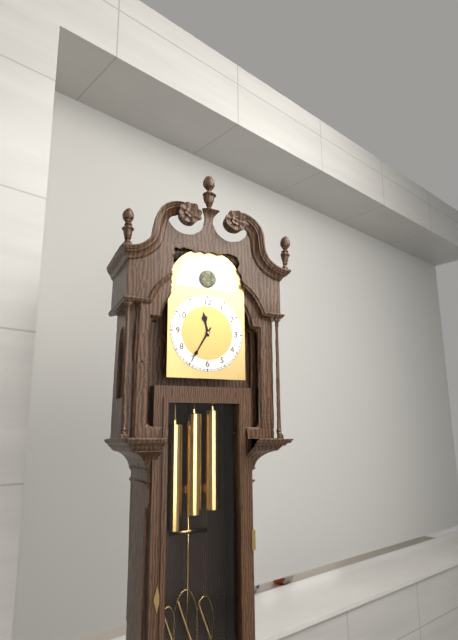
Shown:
11.35
